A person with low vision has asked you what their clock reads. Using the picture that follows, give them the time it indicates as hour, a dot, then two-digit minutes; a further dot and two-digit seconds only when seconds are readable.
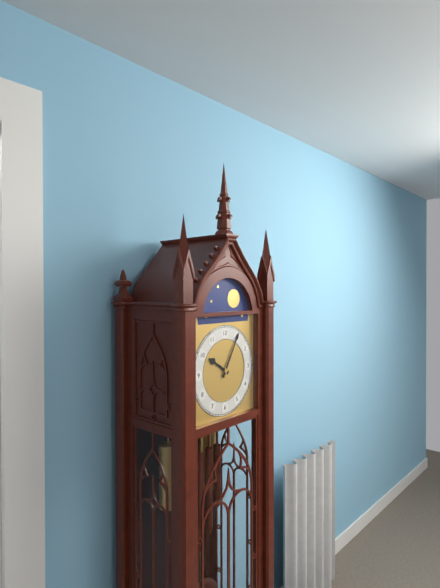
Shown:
10.05
